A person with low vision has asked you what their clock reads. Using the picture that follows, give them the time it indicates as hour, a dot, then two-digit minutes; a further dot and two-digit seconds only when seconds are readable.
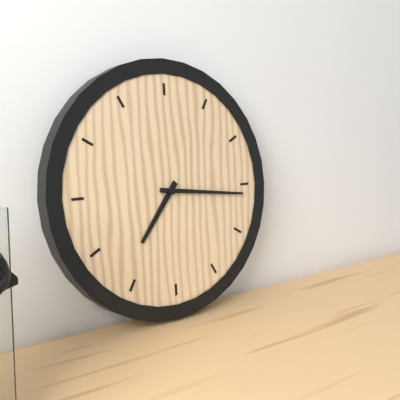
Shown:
7.16
